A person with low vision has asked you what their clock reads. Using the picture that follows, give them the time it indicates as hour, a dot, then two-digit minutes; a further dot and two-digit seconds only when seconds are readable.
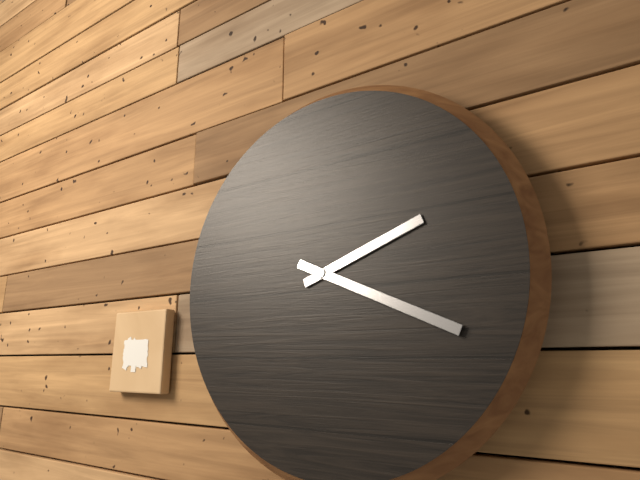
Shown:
2.19
